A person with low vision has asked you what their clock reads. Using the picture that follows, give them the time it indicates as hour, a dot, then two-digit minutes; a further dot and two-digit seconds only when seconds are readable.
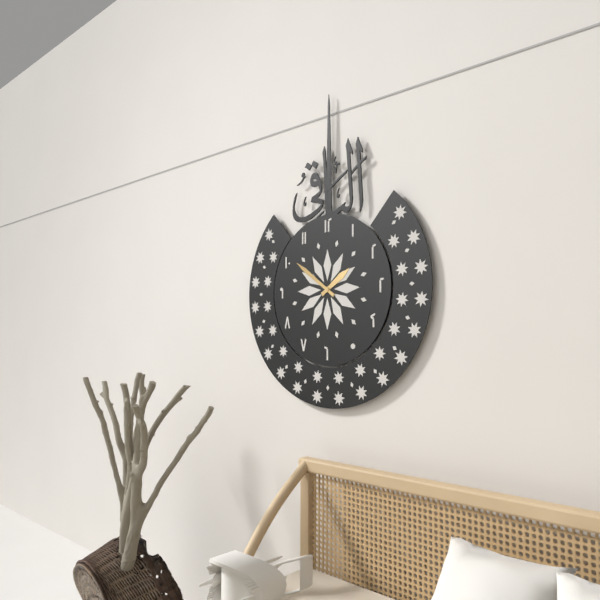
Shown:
1.51
